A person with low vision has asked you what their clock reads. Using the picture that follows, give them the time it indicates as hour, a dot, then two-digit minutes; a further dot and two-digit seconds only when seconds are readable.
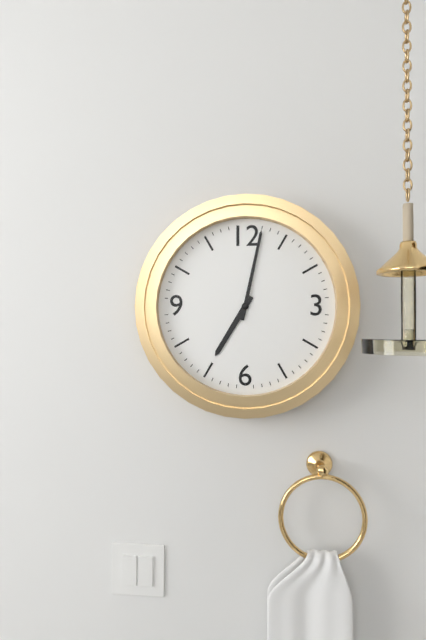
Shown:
7.02
